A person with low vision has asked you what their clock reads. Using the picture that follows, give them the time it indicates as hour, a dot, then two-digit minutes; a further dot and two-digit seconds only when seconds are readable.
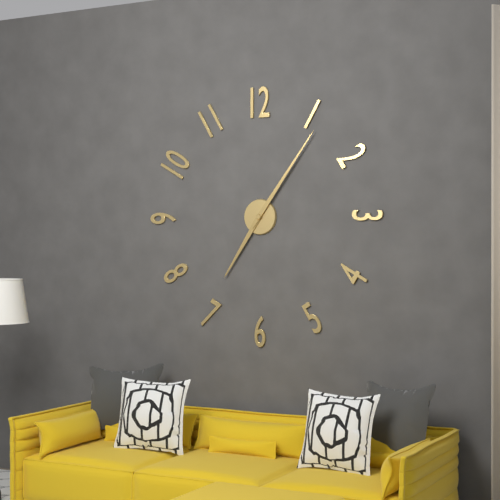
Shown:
7.06
